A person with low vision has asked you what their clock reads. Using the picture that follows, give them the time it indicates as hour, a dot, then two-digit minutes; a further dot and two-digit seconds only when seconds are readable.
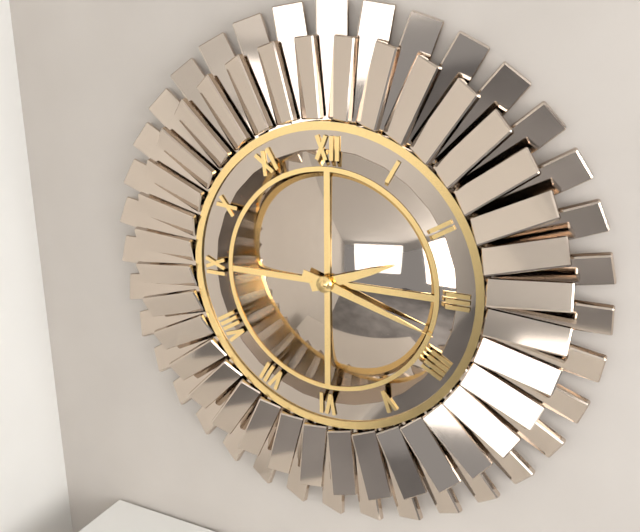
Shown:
2.18
